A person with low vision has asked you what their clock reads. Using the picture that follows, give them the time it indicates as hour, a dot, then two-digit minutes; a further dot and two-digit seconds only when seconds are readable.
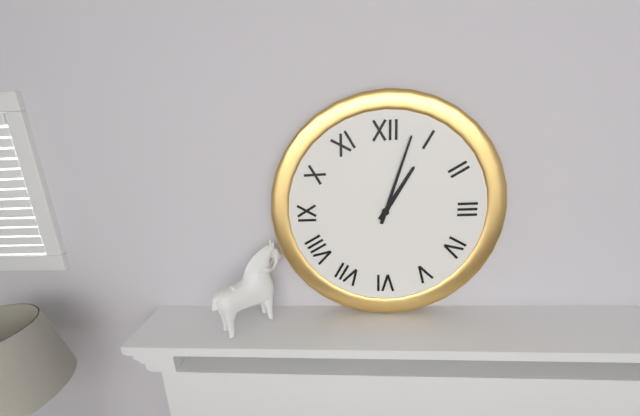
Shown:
1.03
